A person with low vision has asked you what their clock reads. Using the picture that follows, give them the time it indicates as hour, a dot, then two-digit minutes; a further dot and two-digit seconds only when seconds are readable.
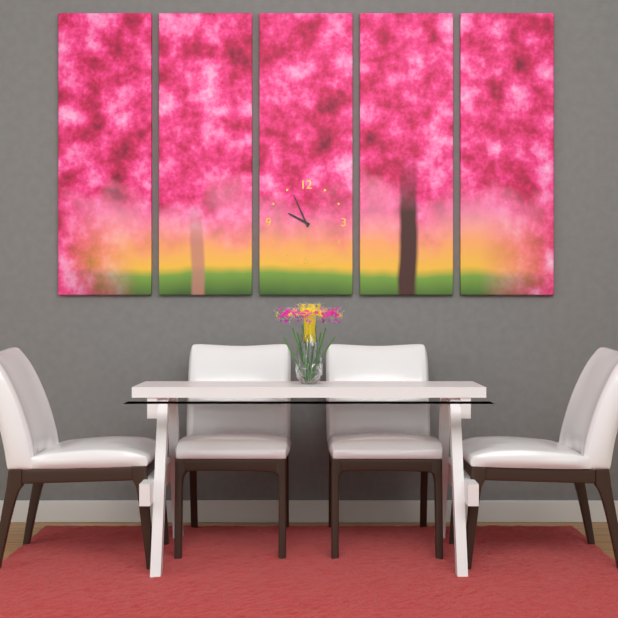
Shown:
9.56
